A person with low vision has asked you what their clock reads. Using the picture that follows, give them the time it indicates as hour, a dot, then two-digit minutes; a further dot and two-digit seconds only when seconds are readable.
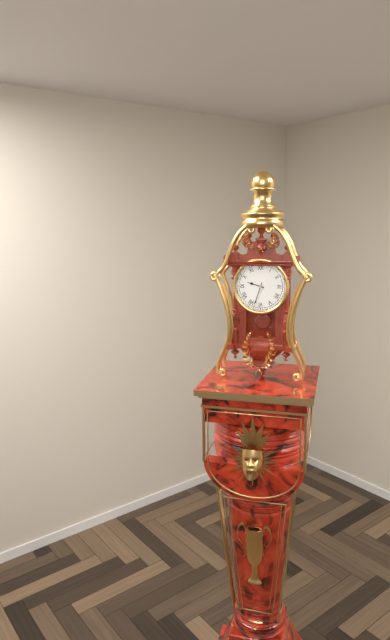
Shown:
9.33
